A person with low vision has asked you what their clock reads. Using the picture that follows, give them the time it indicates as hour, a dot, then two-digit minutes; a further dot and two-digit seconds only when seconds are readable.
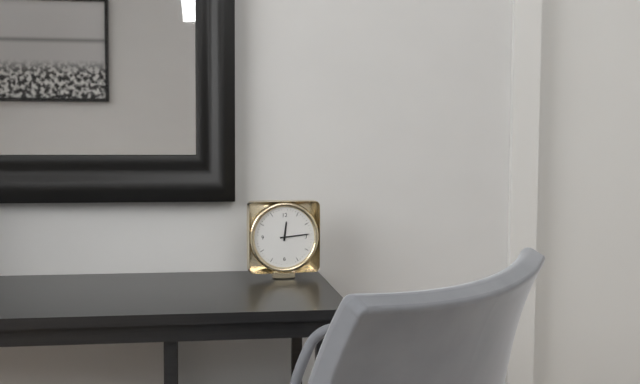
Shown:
12.14
